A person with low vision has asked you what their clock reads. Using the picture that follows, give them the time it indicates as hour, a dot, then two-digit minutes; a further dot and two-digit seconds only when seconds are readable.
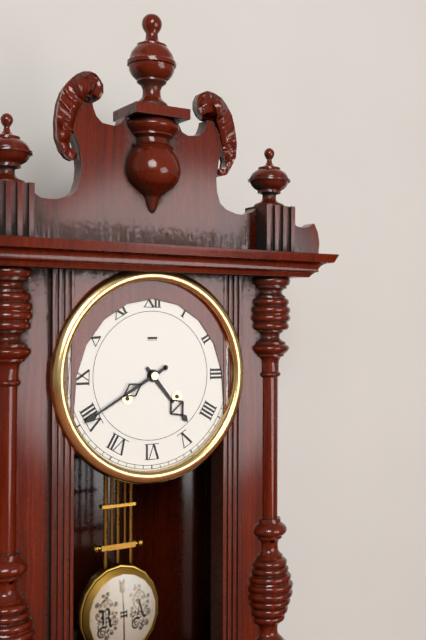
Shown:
4.40
